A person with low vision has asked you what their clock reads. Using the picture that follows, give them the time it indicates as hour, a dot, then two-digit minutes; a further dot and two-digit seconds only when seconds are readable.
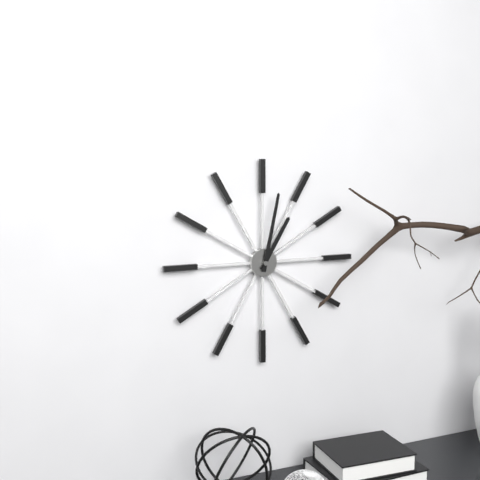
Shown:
1.02
